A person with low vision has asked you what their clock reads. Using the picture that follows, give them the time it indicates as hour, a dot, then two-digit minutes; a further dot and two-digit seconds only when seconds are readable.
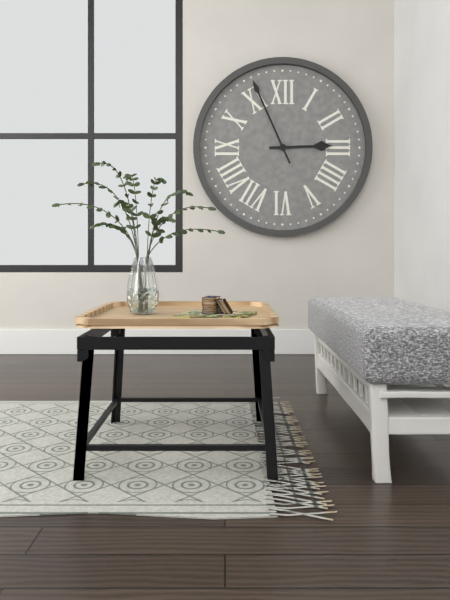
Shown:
2.56
